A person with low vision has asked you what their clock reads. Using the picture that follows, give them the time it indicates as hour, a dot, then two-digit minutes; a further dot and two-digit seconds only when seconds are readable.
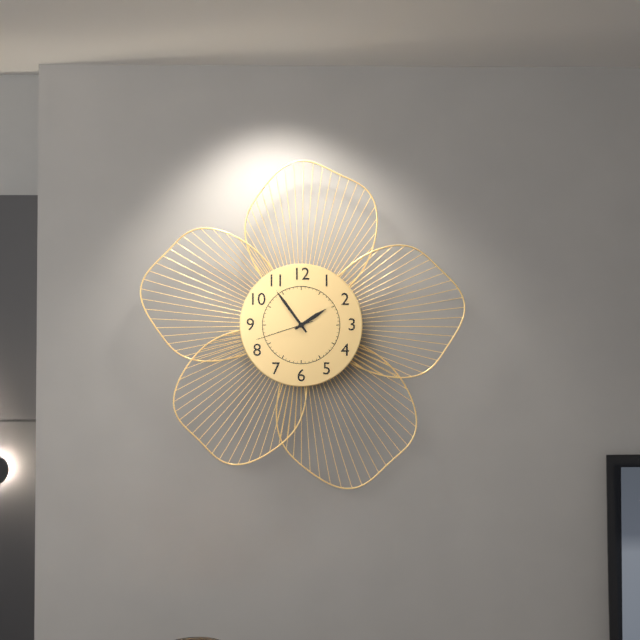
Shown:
1.54.42
